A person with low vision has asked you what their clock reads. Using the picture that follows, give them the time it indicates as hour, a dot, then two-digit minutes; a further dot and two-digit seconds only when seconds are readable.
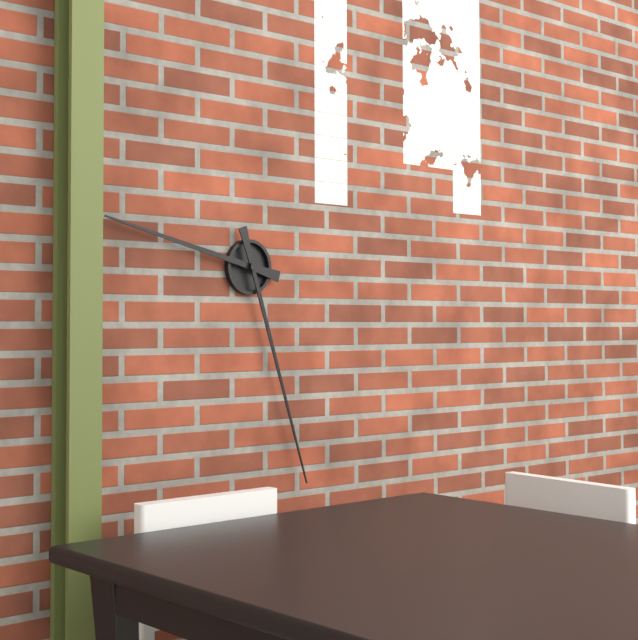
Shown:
9.27
